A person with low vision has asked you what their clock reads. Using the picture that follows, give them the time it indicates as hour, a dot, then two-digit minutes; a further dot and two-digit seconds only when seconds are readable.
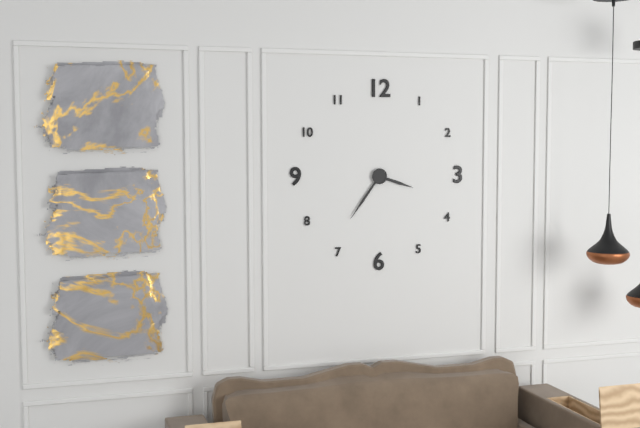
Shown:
3.36
